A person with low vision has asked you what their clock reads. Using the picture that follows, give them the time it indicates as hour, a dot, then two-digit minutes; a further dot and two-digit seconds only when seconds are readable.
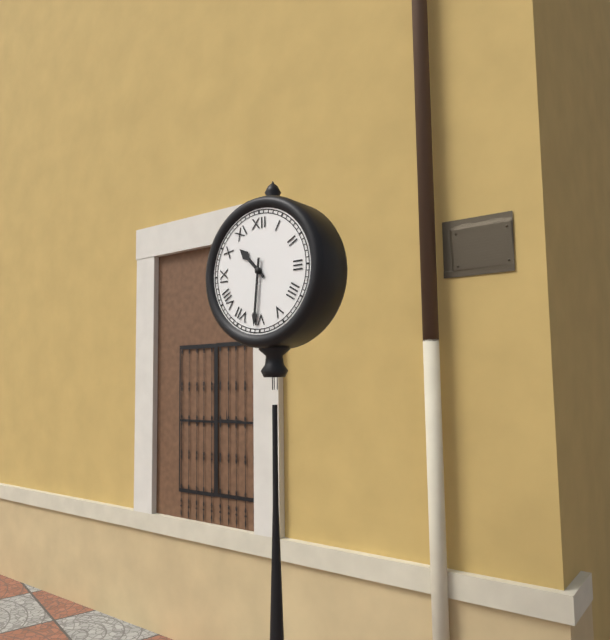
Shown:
10.31
